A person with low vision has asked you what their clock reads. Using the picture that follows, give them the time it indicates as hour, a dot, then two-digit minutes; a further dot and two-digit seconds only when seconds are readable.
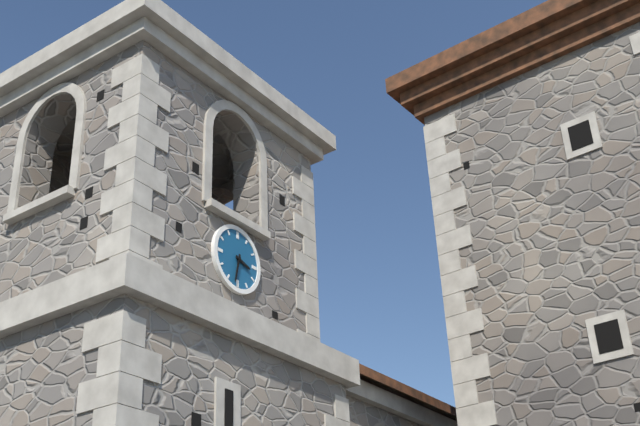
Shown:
3.32
